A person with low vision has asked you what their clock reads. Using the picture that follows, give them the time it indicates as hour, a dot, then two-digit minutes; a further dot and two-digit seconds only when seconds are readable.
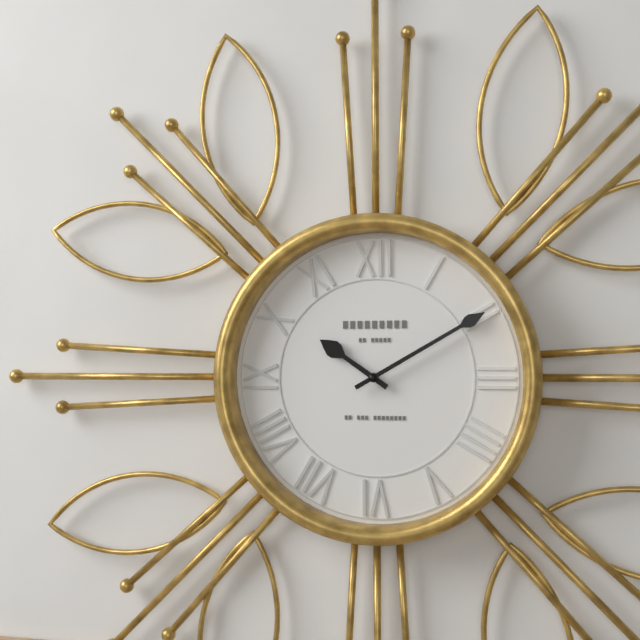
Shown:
10.10
